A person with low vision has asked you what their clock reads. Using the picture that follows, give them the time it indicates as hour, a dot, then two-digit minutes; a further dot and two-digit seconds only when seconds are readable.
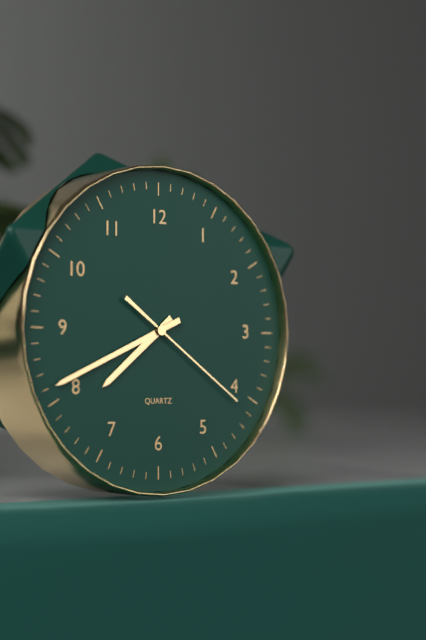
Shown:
7.41.21
